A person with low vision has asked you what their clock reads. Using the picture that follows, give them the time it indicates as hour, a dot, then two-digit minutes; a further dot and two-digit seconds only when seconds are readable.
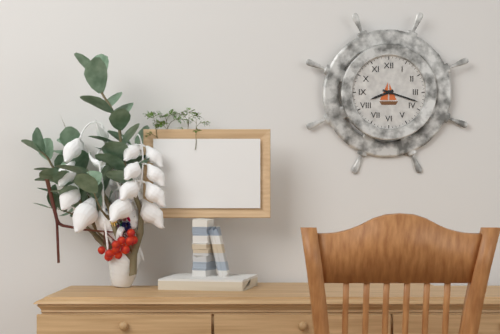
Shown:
8.18
